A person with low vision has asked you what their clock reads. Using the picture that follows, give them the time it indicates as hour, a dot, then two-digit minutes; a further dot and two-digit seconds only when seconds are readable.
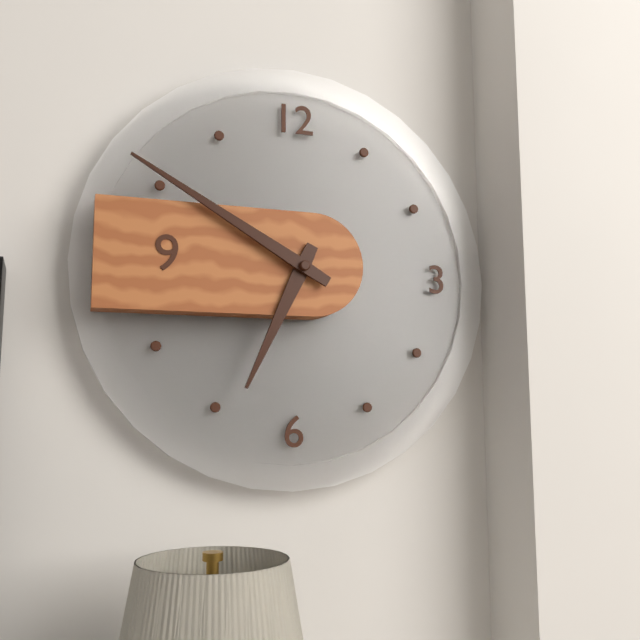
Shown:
6.50
